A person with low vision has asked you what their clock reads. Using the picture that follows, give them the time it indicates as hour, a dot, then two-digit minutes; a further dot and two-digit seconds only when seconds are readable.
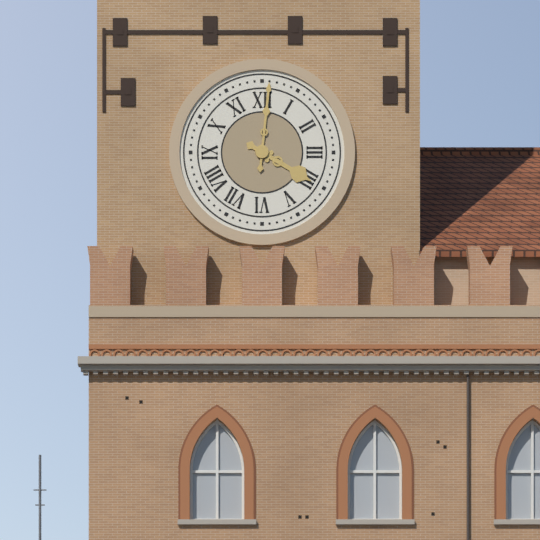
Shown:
4.01
